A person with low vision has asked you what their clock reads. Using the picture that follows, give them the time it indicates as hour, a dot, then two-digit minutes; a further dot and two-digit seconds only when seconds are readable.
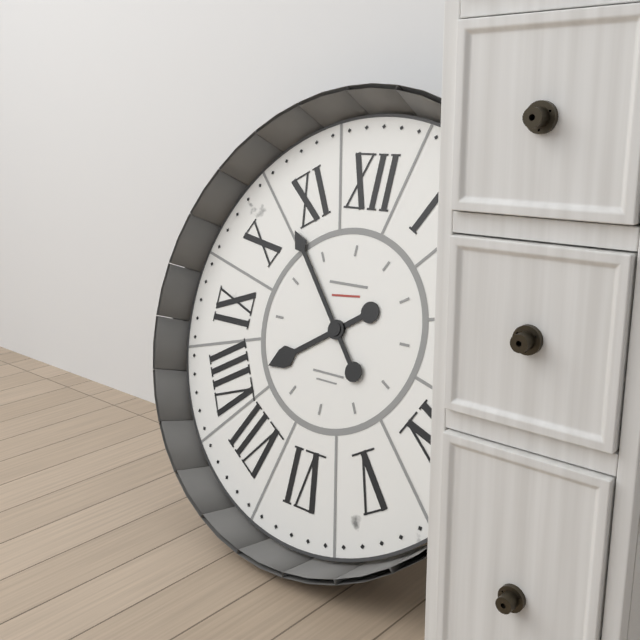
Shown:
7.53
